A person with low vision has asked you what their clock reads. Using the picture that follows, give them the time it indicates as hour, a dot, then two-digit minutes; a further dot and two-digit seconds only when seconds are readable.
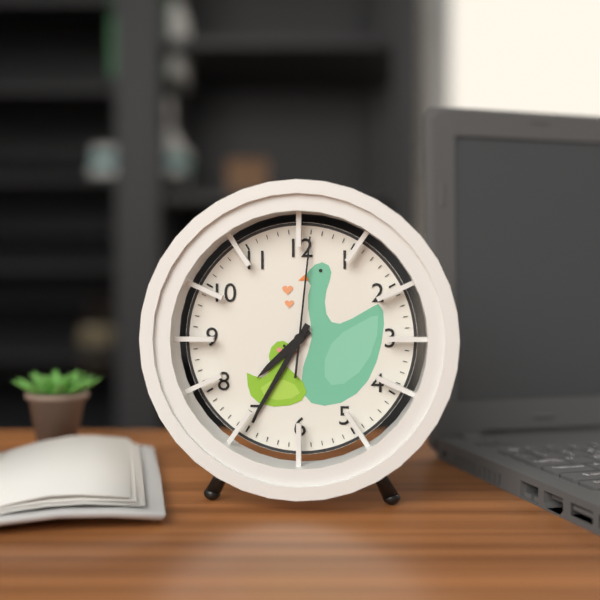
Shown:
7.35.01
